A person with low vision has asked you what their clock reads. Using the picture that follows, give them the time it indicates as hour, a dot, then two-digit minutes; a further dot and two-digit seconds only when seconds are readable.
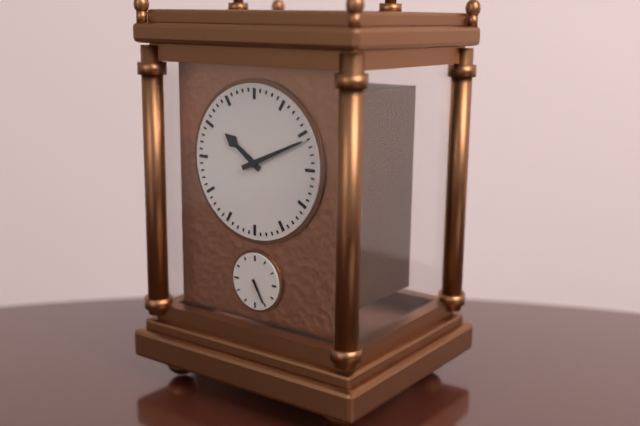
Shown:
10.11
